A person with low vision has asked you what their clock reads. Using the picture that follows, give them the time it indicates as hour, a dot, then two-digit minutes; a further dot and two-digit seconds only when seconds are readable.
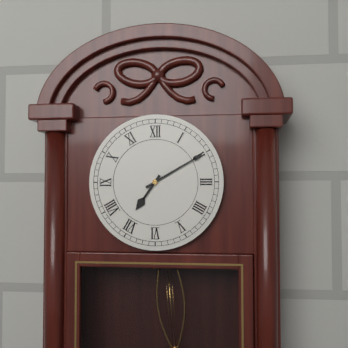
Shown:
7.10
